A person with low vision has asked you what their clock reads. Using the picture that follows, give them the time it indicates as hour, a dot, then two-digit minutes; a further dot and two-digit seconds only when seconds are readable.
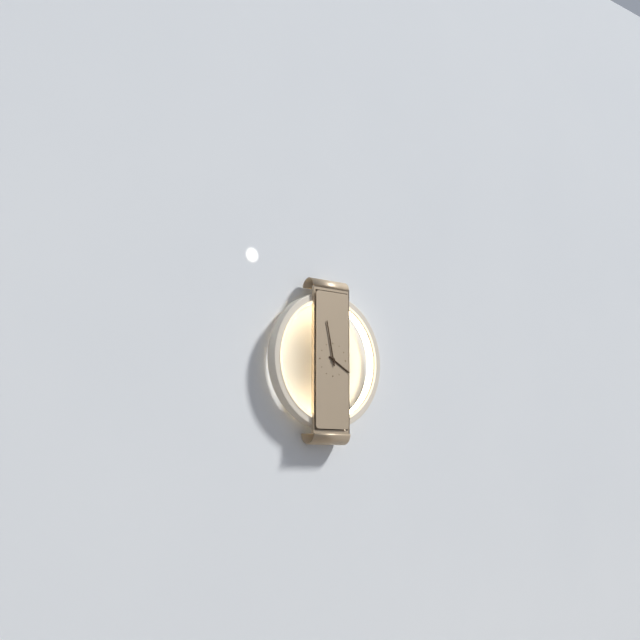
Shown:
3.58
